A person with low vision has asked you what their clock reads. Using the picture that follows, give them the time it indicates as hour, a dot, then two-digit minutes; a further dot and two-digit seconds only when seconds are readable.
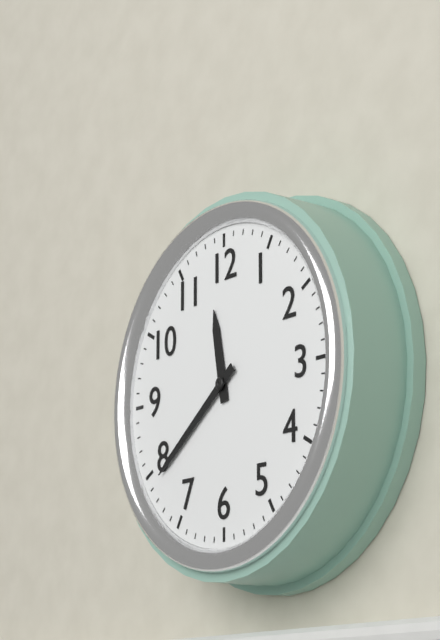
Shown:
11.39
